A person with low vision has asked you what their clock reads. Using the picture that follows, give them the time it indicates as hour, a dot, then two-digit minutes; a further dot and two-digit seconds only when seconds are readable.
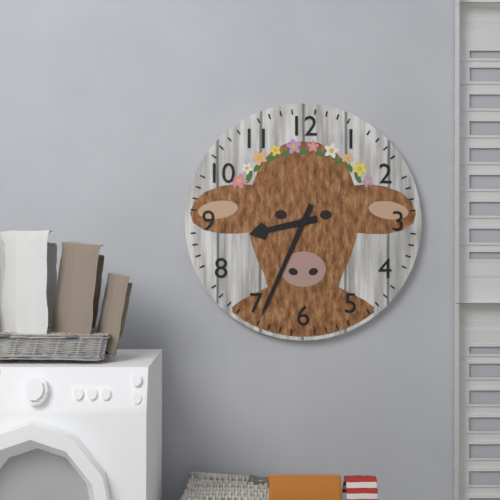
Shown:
8.34
